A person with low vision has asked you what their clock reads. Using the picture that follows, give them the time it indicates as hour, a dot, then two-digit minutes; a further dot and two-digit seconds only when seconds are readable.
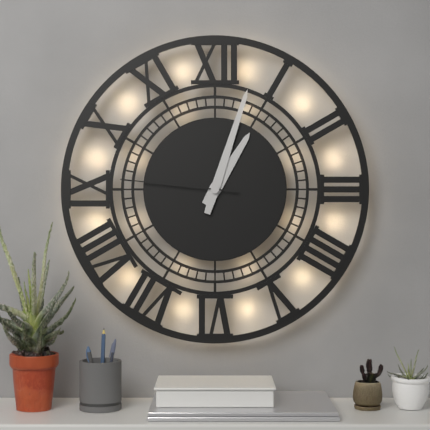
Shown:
1.03.46
